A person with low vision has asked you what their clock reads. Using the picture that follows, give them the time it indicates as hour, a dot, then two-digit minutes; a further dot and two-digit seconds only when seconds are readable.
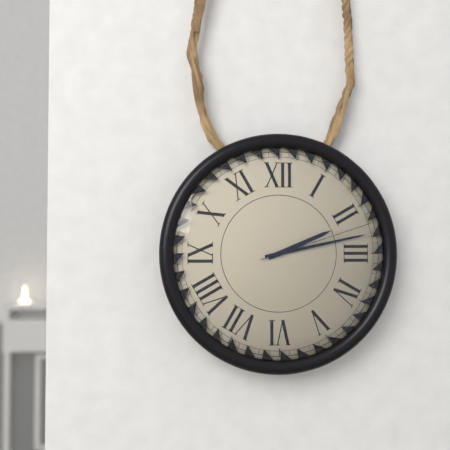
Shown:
2.13.12
